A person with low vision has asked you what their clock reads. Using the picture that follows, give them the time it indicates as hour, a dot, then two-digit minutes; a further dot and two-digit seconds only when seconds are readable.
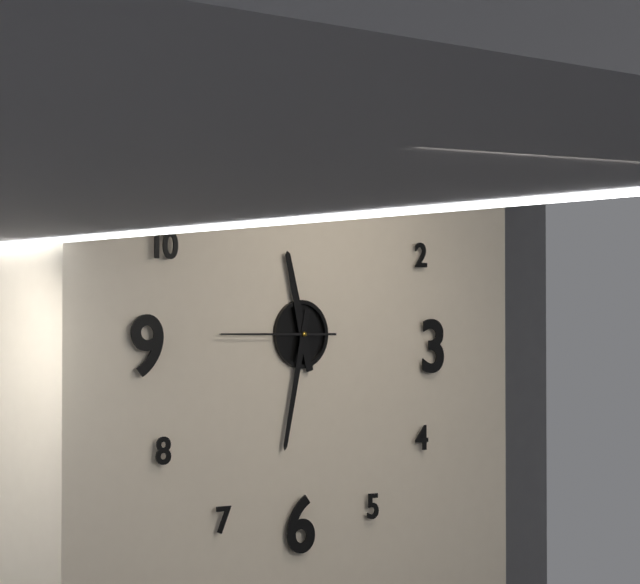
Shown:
11.32.45
